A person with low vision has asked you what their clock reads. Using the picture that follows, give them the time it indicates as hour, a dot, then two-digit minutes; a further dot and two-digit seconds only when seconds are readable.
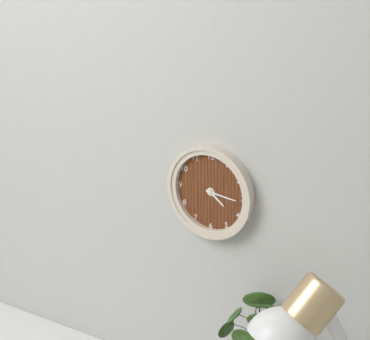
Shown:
4.16
